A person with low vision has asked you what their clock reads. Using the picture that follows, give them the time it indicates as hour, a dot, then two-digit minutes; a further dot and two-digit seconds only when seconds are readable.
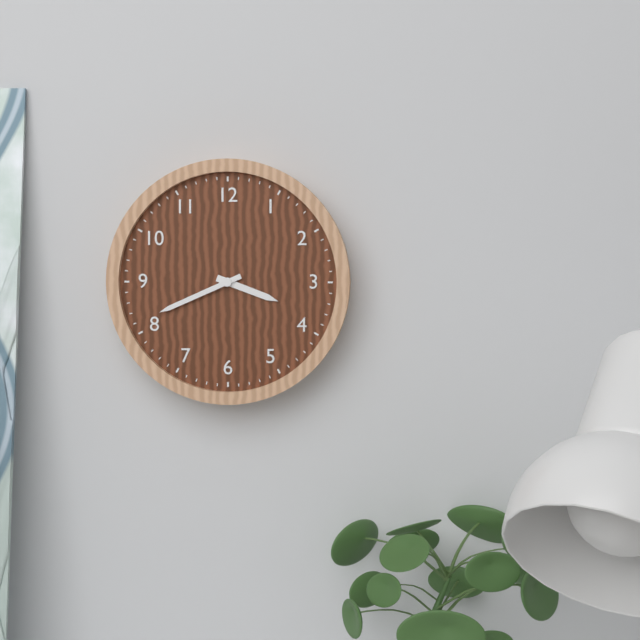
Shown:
3.41
